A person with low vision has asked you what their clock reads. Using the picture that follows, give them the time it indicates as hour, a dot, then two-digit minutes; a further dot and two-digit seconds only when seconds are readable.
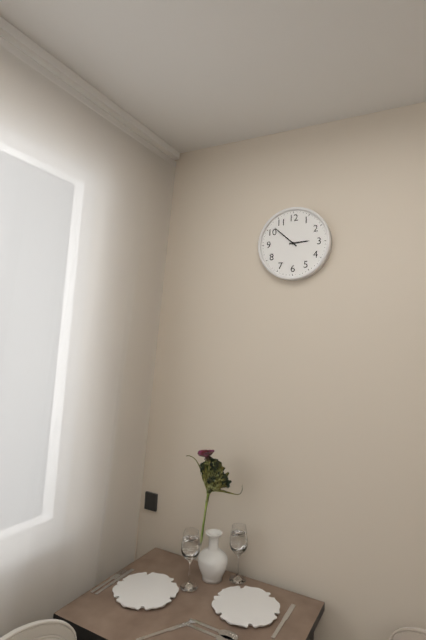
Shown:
2.52
